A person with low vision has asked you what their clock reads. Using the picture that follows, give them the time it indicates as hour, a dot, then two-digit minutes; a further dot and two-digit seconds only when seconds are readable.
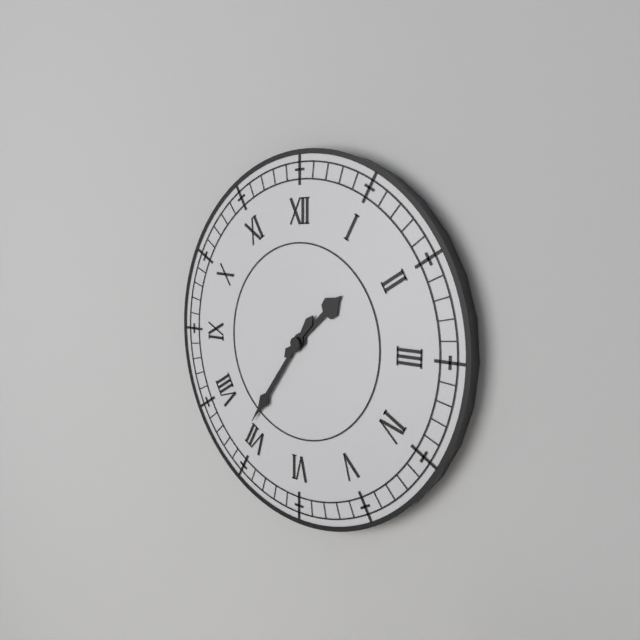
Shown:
1.36
